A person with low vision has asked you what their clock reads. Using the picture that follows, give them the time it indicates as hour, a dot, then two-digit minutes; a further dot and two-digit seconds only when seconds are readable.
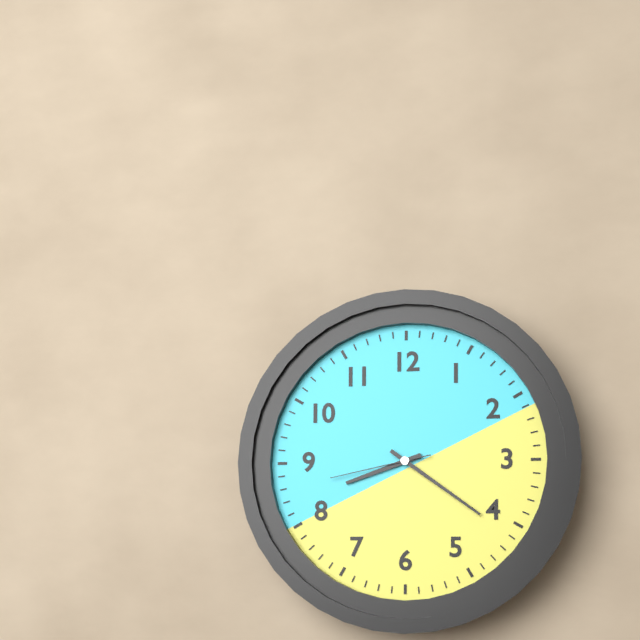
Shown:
8.21.43
